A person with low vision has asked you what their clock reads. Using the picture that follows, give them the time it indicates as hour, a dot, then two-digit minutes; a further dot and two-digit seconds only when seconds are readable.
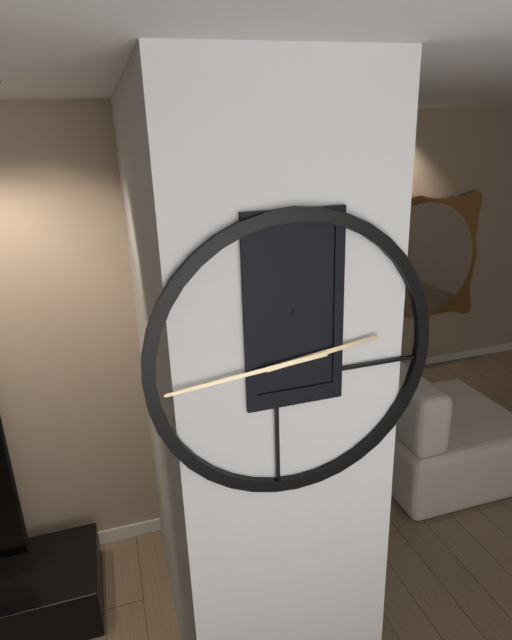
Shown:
2.44
